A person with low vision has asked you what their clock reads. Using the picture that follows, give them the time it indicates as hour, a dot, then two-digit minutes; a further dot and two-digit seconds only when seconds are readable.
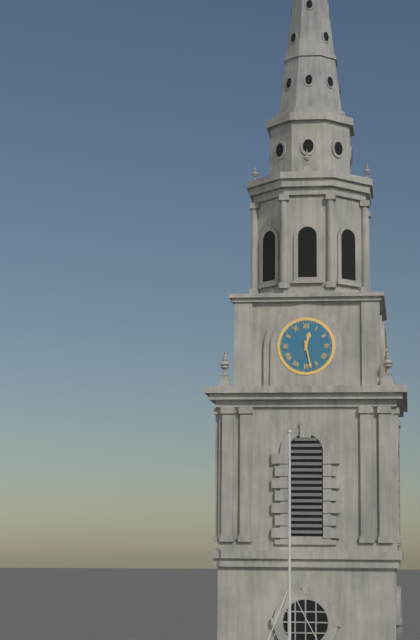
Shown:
12.28
